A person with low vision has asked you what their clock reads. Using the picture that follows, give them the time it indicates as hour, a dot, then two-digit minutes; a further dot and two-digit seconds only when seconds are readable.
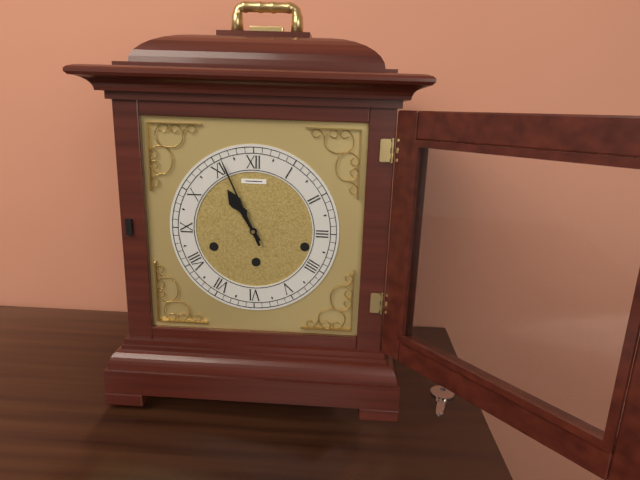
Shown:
10.56
